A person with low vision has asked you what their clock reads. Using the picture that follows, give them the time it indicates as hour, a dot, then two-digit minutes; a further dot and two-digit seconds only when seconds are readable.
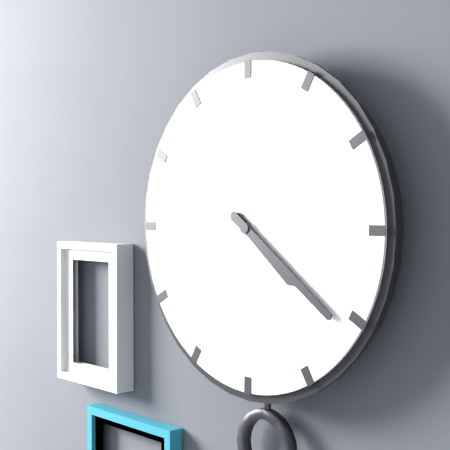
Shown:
4.21
